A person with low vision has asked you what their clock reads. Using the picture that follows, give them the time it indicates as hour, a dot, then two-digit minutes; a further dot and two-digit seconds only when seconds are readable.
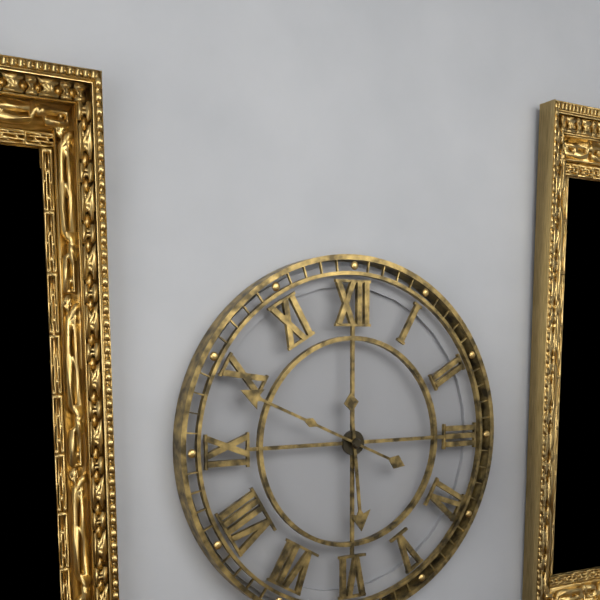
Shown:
5.49
